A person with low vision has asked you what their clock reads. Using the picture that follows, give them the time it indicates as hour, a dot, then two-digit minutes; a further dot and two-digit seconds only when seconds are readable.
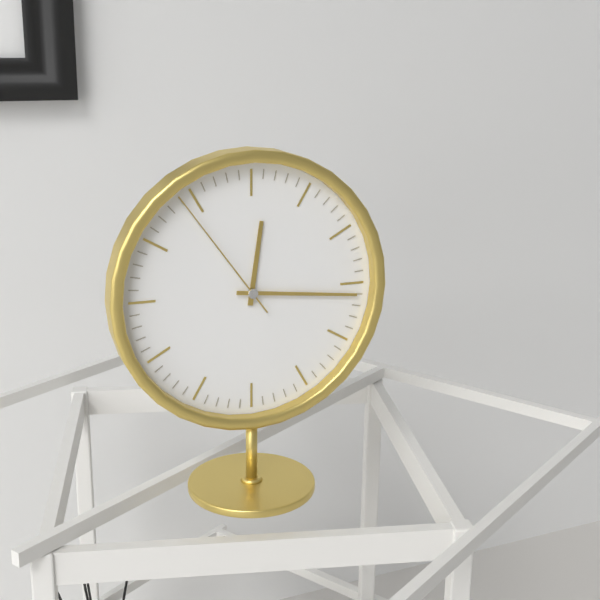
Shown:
12.16.54
